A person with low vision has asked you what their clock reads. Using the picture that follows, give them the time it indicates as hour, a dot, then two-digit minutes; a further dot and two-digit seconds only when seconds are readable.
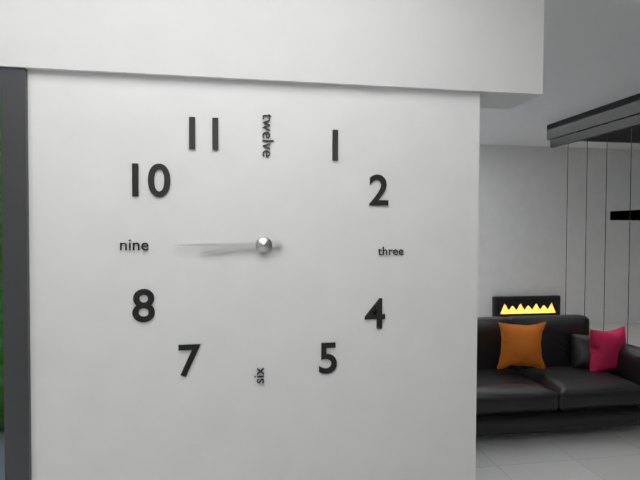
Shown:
8.45
